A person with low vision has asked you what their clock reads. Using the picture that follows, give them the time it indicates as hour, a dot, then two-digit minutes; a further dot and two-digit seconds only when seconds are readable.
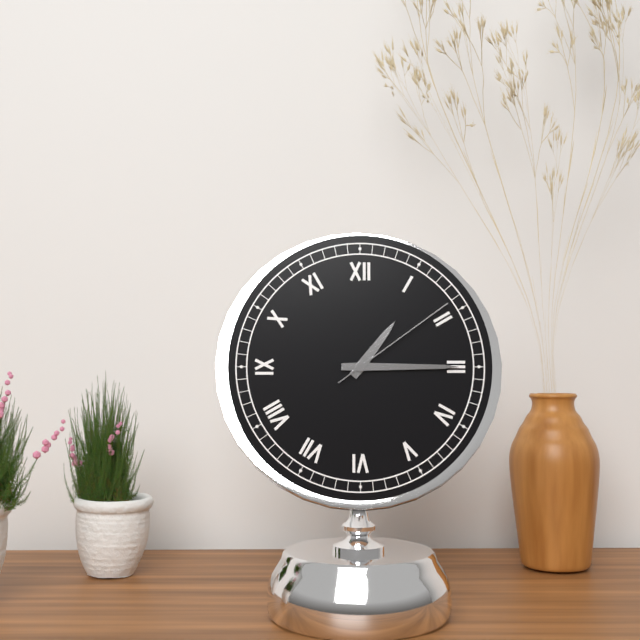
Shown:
1.15.09
